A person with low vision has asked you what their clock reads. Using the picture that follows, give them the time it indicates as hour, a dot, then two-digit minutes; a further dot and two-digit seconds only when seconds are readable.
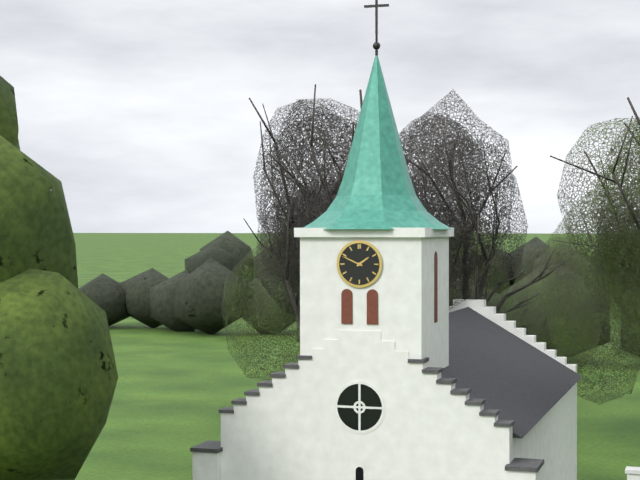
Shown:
1.49
